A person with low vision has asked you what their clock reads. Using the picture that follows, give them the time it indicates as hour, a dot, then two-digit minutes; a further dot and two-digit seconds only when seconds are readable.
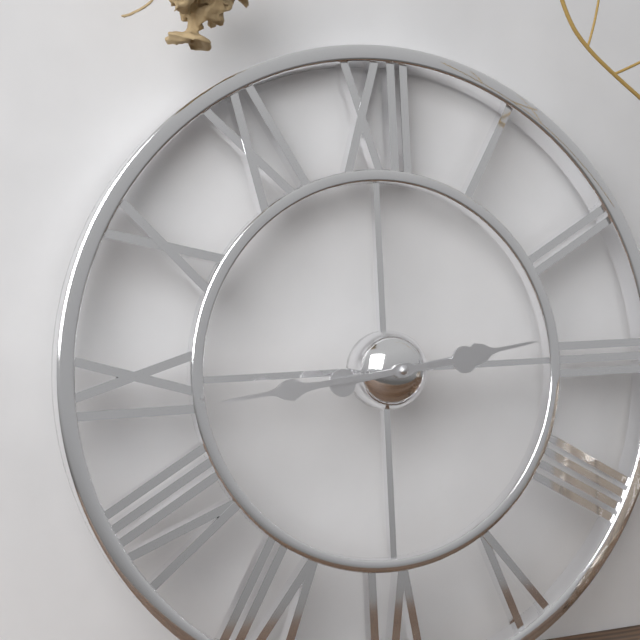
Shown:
2.44
